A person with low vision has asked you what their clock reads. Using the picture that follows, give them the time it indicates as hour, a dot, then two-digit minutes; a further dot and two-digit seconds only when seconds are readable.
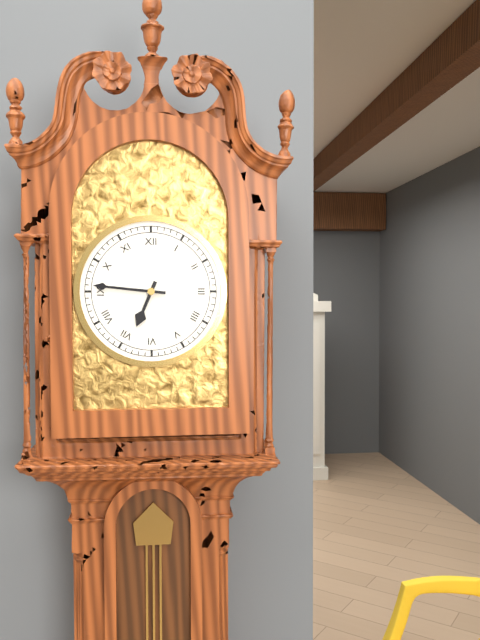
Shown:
6.46
